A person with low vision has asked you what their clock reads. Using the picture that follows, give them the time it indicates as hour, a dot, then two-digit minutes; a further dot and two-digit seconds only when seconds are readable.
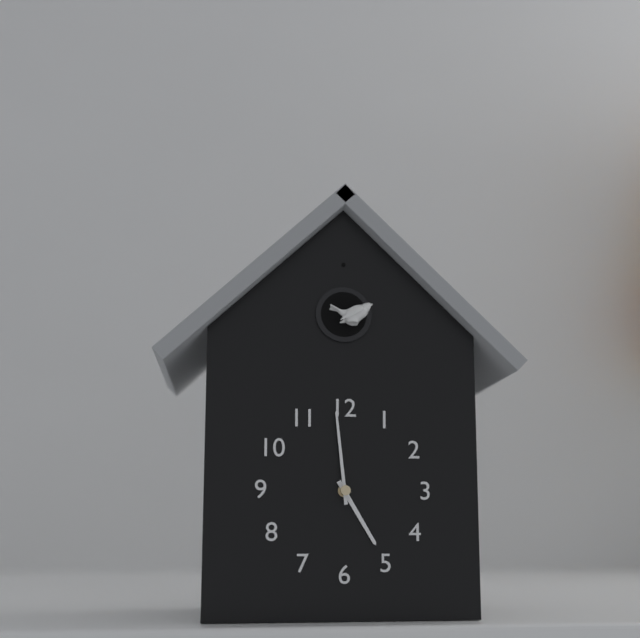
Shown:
4.59
